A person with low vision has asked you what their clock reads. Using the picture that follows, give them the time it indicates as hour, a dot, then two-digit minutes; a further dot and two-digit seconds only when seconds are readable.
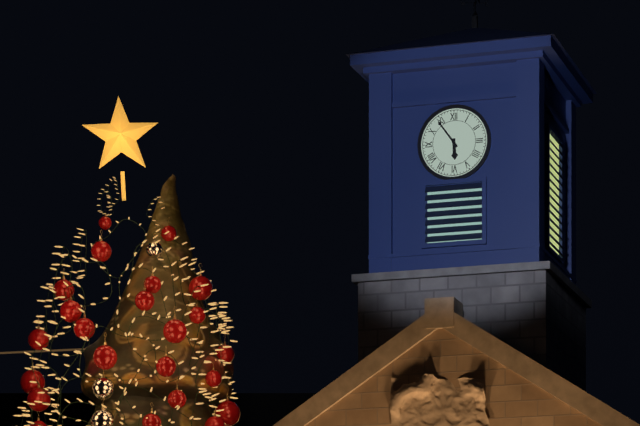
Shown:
5.54
